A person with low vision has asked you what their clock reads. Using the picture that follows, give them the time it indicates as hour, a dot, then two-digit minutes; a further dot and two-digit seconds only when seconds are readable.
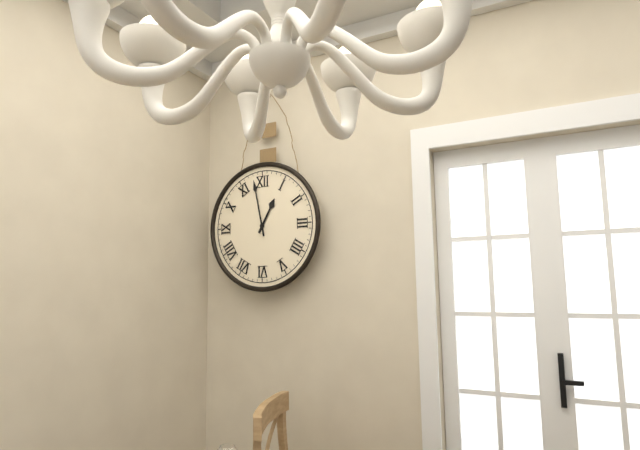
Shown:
12.58
